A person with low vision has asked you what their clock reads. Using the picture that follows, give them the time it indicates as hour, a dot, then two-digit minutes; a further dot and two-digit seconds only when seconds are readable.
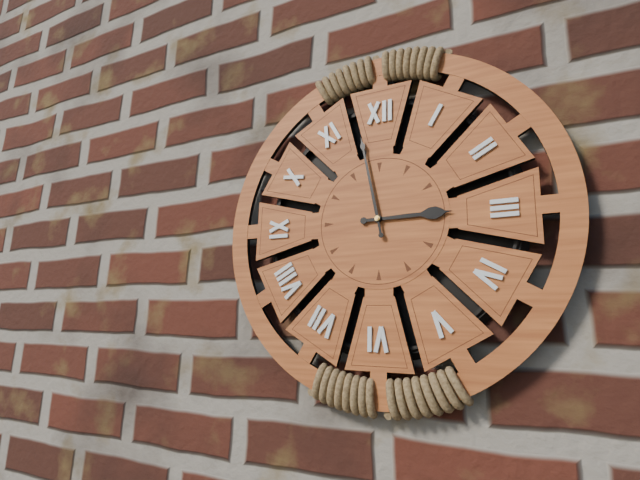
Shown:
2.58
